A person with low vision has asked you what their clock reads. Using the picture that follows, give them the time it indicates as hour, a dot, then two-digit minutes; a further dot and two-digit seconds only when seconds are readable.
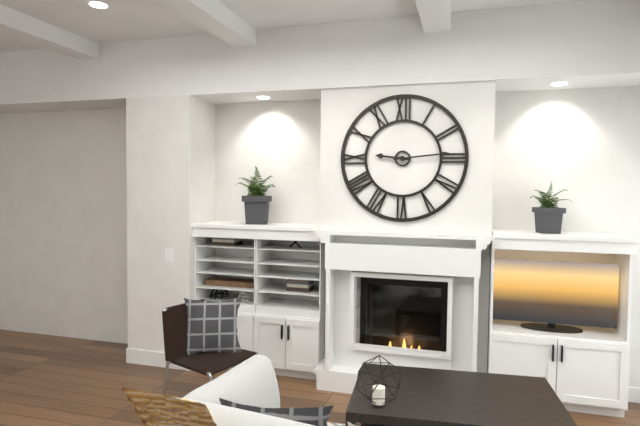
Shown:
9.14
